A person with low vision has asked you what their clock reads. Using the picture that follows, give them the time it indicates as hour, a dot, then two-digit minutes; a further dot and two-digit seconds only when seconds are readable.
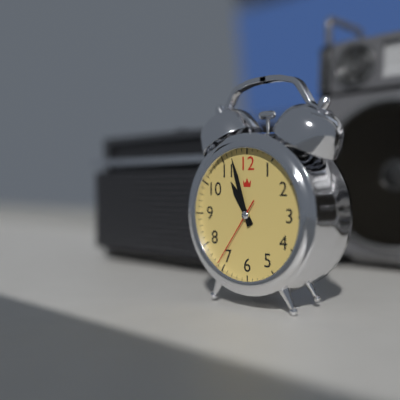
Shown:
10.57.36
